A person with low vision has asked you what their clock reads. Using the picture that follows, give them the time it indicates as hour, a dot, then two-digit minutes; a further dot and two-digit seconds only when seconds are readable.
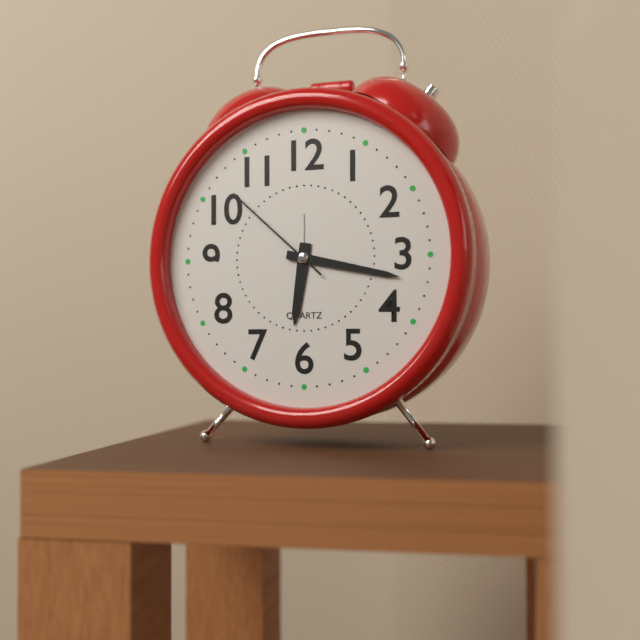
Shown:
6.17.52
